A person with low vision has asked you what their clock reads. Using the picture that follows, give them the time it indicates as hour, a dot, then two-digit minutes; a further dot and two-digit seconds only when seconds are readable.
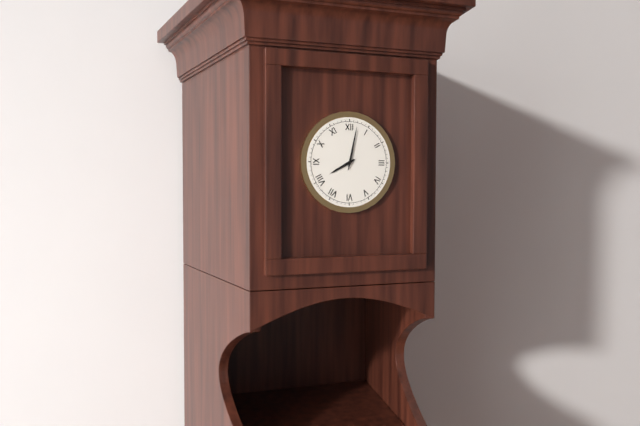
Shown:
8.02
